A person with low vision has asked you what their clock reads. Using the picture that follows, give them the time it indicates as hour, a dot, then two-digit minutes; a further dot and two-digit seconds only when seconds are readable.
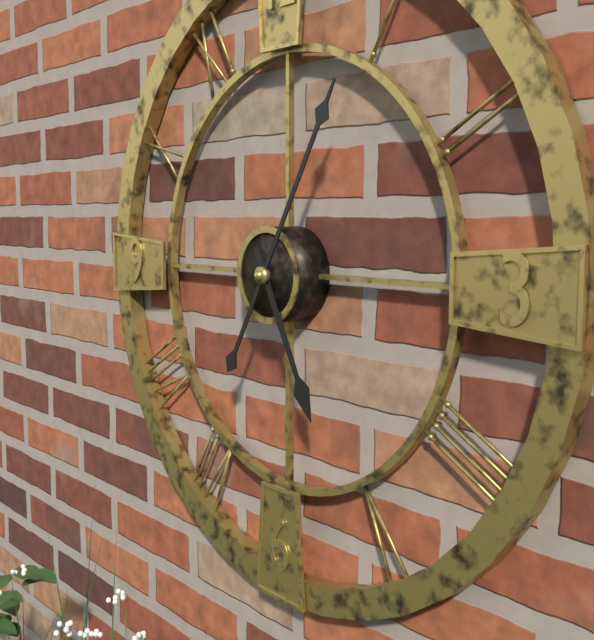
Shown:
5.05
